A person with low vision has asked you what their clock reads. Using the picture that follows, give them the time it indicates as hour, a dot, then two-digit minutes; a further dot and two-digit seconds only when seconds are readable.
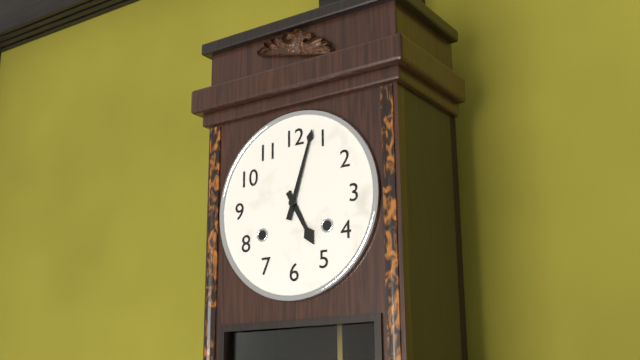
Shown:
5.03
